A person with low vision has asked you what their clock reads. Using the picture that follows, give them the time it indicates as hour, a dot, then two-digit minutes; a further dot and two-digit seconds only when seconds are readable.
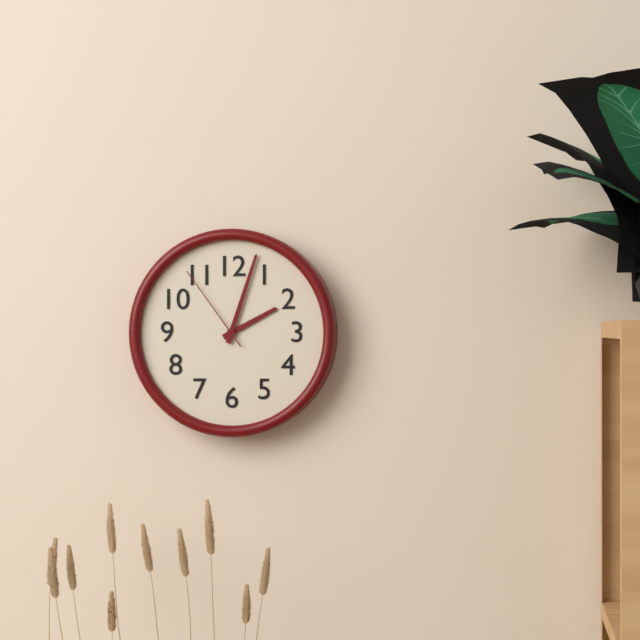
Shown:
2.03.54
